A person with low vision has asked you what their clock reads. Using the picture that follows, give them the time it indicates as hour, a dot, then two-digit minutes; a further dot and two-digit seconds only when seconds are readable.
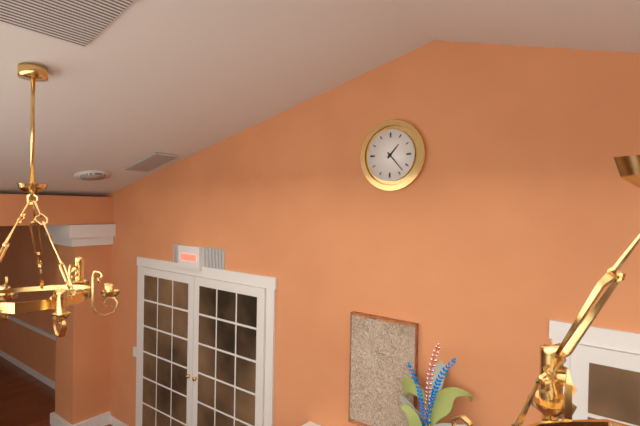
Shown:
1.23
